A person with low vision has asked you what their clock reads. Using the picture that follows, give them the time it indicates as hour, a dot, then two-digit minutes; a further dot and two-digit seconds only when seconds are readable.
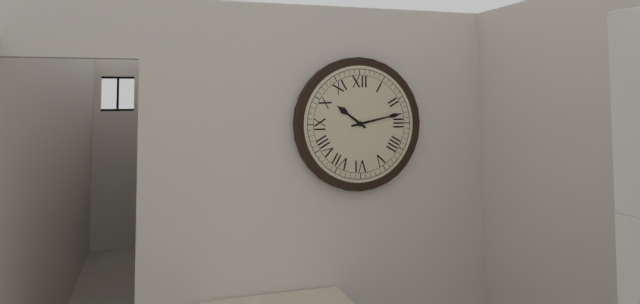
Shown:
10.13
